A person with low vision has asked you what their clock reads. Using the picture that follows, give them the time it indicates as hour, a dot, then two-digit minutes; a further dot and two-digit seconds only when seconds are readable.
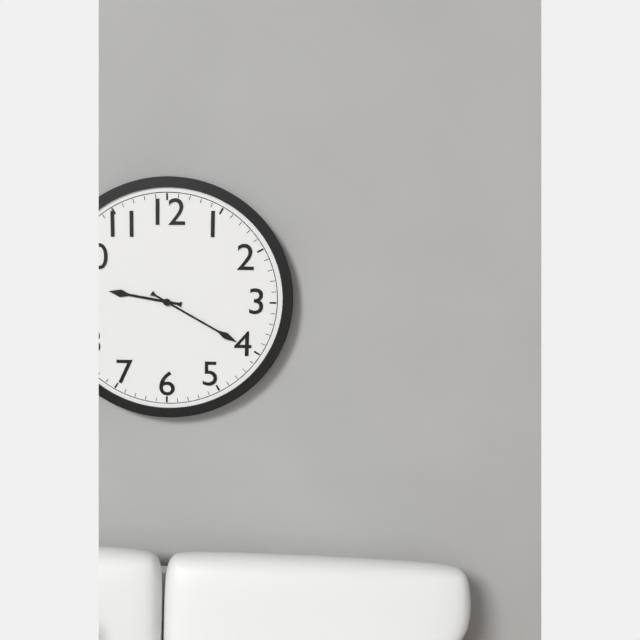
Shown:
9.20
